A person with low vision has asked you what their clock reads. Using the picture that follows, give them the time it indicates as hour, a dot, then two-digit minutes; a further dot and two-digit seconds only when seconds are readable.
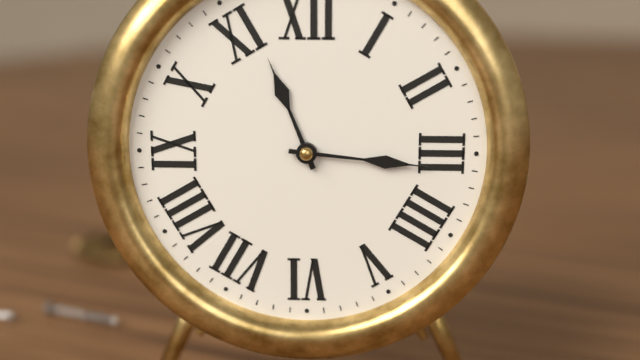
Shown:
11.16
